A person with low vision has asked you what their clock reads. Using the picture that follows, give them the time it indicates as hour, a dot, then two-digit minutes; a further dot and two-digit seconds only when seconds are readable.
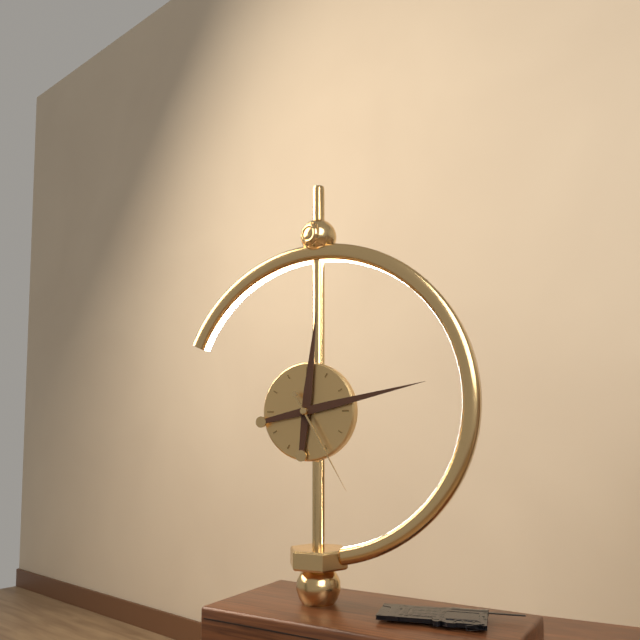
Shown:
12.13.25
